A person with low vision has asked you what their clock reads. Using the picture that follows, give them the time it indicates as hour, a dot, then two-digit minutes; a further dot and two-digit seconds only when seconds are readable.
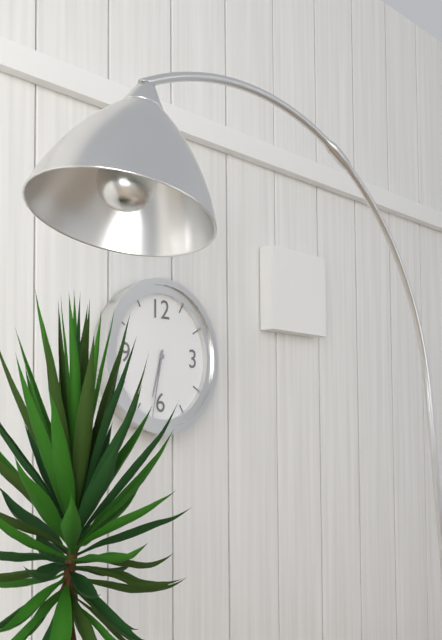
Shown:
6.32
